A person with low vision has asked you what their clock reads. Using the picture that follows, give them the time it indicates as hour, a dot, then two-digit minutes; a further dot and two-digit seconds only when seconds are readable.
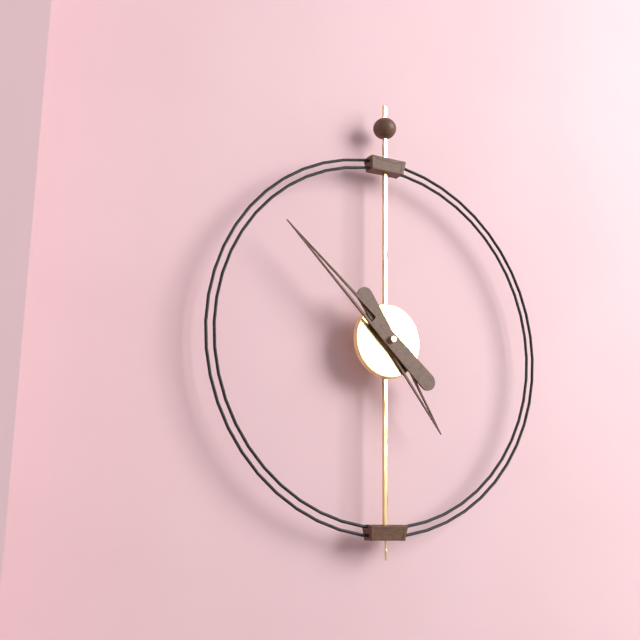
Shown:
4.52
